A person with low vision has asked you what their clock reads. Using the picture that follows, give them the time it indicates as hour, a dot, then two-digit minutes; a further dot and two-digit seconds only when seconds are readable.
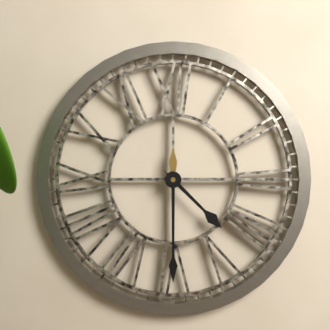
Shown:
4.30
